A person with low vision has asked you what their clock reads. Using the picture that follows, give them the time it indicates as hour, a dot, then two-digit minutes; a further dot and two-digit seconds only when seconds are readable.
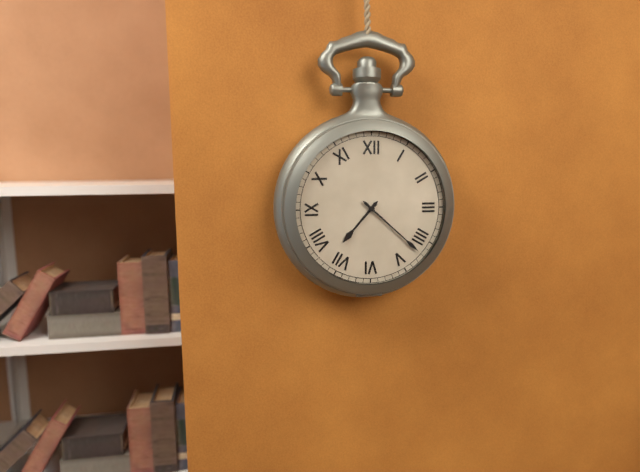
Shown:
7.22
